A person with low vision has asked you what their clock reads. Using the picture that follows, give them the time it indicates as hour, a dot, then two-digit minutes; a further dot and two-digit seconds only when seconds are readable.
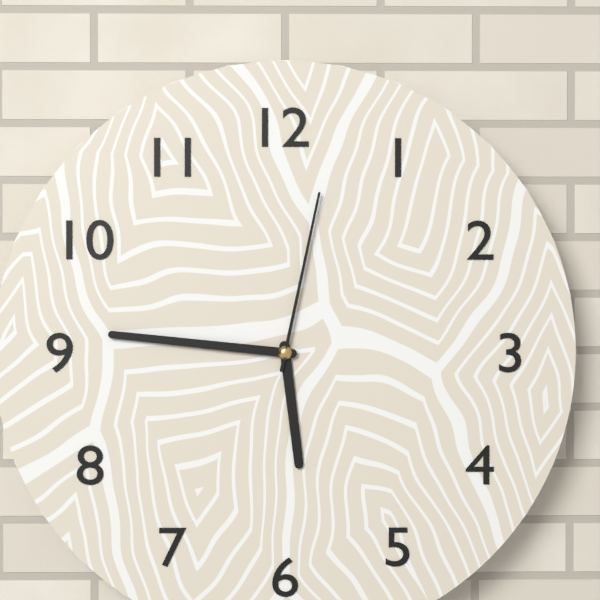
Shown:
5.46.02
